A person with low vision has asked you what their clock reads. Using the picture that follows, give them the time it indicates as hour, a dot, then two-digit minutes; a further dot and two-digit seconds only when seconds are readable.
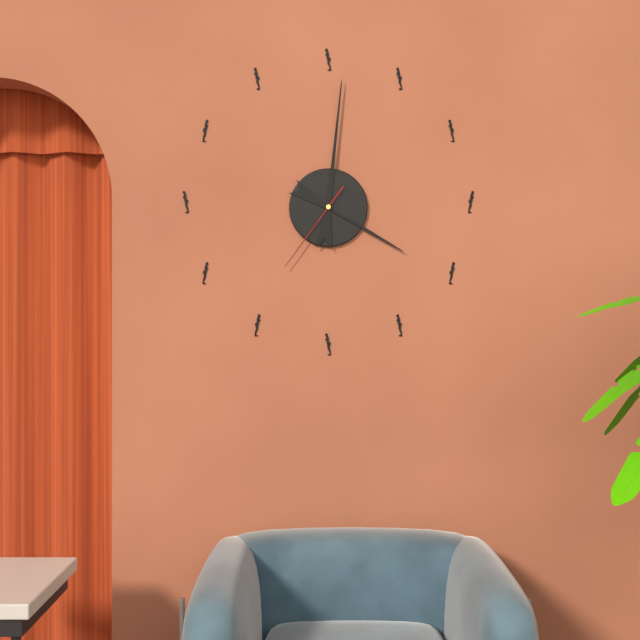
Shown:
4.01.36
